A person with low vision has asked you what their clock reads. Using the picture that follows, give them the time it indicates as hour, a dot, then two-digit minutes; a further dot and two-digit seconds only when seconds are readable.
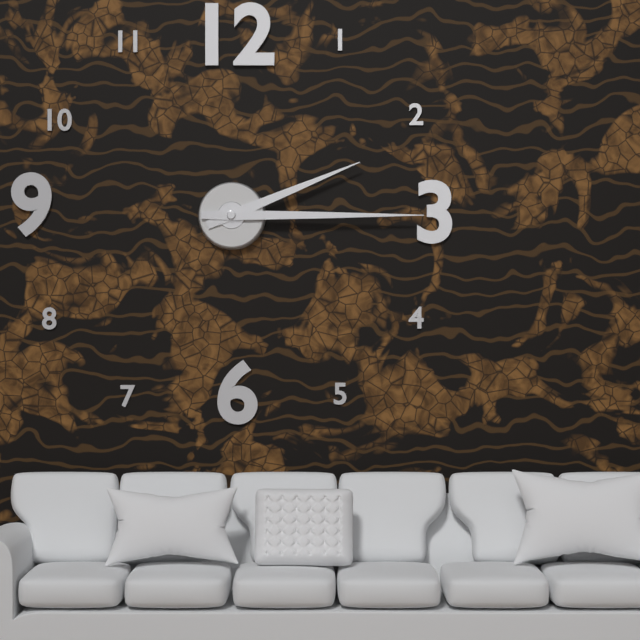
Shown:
2.15
